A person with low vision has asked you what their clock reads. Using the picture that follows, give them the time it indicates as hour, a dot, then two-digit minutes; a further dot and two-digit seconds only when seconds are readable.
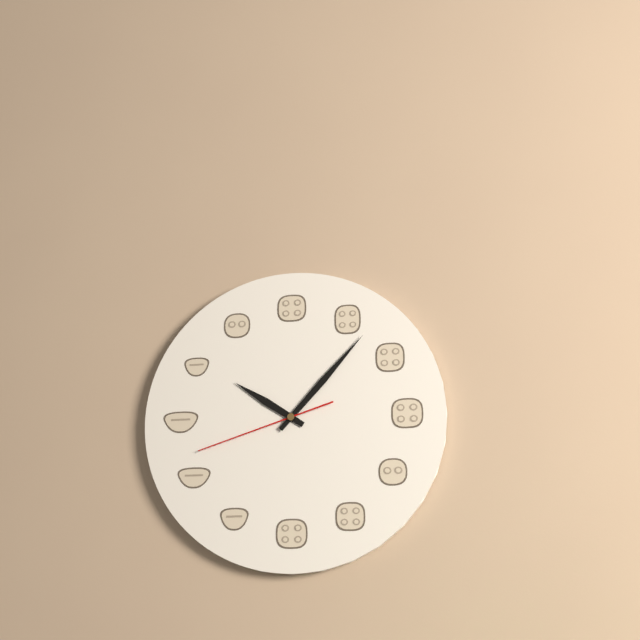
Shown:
10.07.42
